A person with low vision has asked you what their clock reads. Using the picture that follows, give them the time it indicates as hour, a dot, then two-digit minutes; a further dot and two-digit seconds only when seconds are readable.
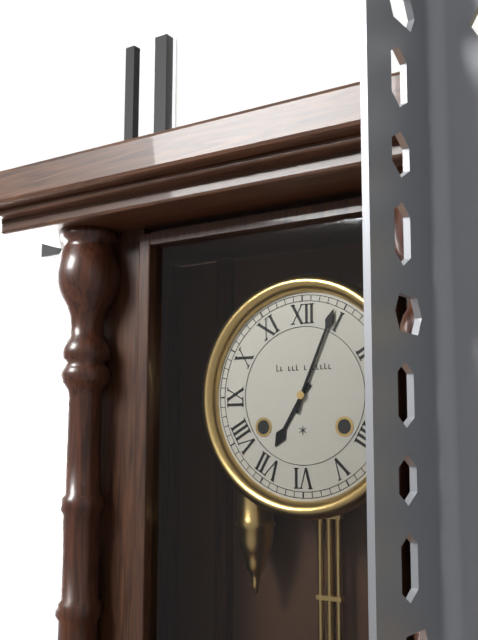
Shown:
7.04
